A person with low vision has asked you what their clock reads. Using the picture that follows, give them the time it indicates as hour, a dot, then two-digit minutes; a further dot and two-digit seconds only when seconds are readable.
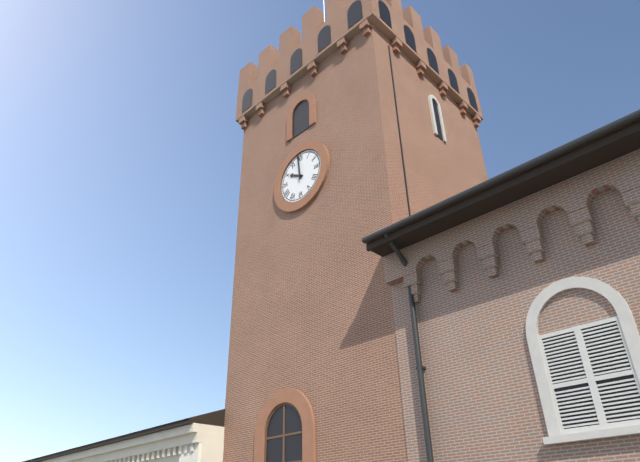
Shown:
9.59
